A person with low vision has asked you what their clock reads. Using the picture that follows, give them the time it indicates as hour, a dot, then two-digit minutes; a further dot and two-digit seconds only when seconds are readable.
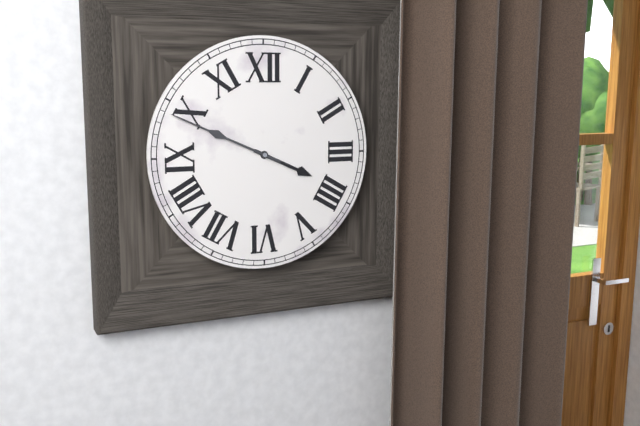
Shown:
3.49
